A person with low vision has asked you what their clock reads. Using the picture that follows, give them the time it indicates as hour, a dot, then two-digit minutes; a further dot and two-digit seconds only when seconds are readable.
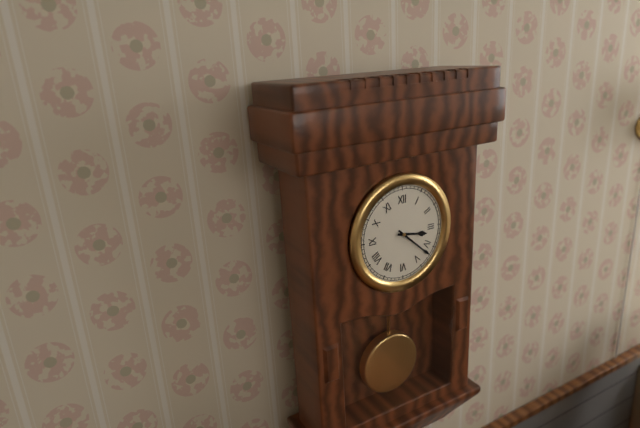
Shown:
3.22
